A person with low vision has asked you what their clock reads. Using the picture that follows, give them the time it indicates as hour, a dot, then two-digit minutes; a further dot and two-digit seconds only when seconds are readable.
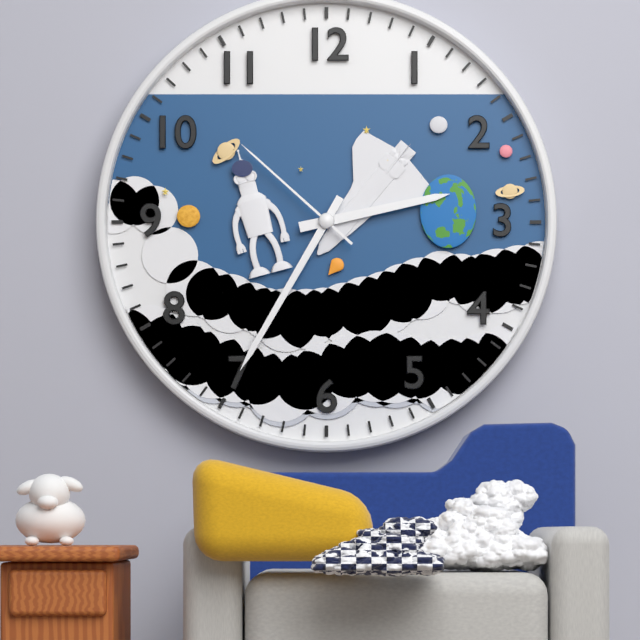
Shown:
2.35.52
